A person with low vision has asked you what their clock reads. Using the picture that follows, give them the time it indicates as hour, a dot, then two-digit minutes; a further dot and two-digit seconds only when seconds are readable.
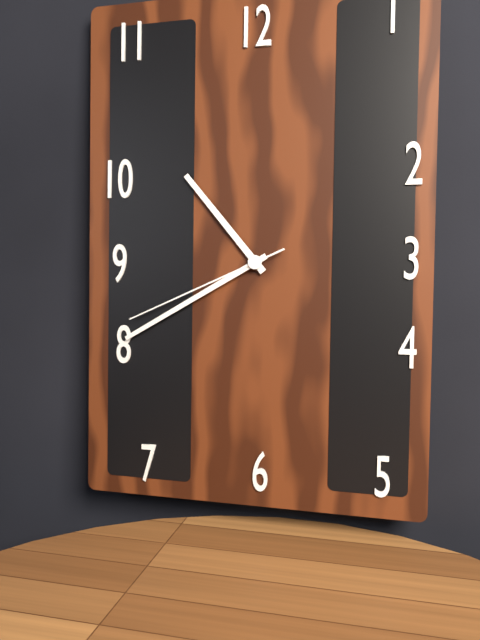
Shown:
10.40.41
